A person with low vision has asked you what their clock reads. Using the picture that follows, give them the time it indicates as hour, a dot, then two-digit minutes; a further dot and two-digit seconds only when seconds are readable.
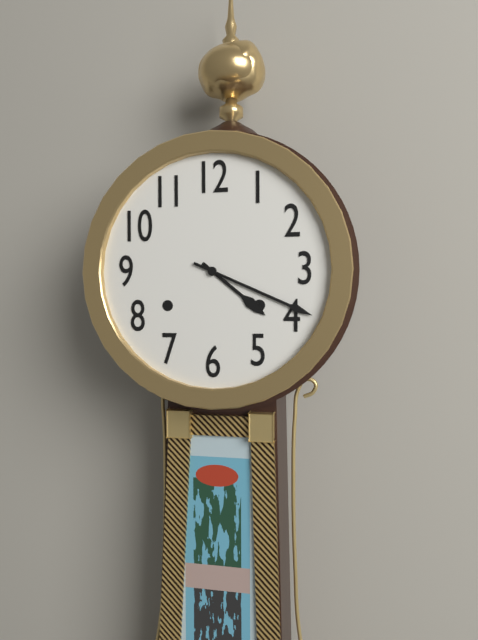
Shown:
4.19
